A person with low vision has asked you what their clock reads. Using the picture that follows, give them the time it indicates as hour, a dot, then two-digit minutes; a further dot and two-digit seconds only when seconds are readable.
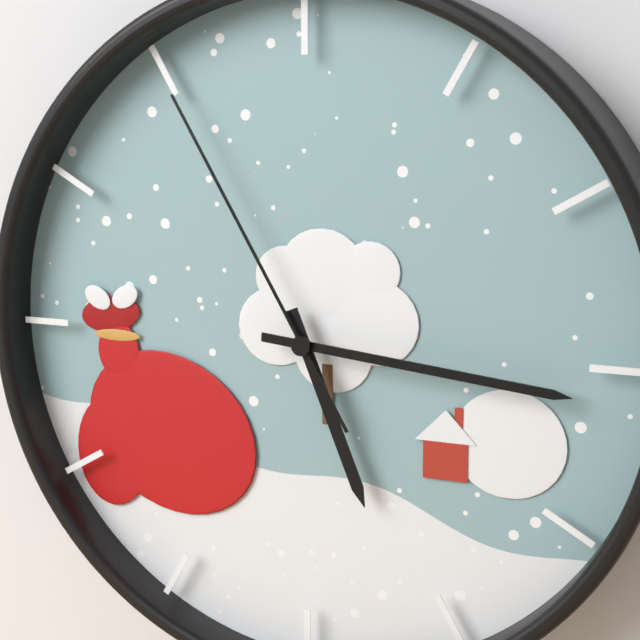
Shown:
5.16.55
